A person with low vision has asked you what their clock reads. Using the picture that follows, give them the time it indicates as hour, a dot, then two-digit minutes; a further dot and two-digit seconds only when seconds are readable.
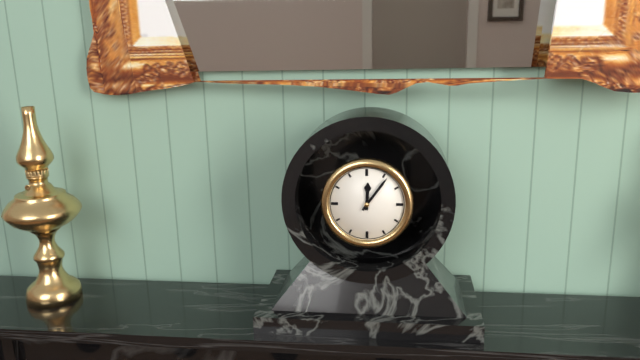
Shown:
12.06
